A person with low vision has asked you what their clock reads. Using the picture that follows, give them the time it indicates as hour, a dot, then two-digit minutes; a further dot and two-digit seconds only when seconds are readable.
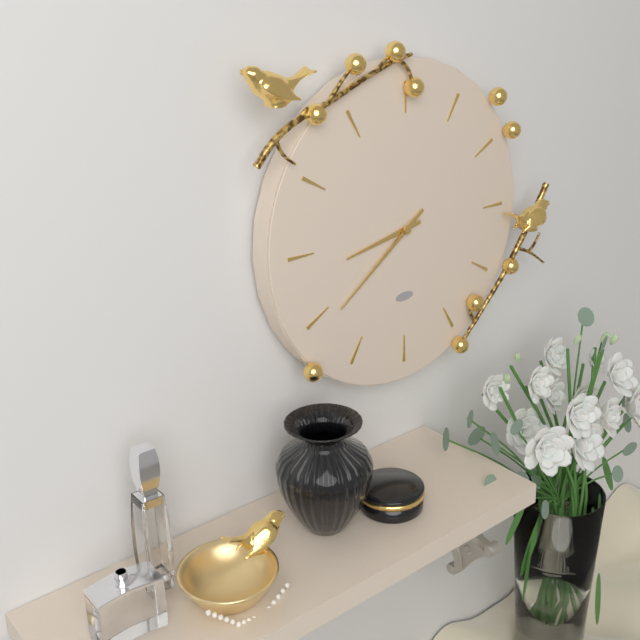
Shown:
8.39
